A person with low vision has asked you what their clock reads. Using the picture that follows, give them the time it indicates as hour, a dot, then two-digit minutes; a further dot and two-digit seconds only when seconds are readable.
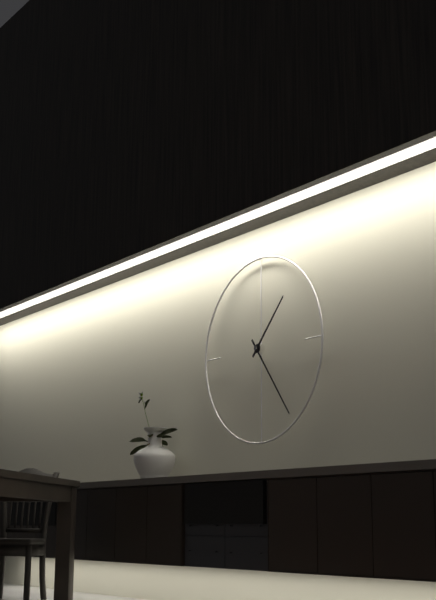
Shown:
1.24
